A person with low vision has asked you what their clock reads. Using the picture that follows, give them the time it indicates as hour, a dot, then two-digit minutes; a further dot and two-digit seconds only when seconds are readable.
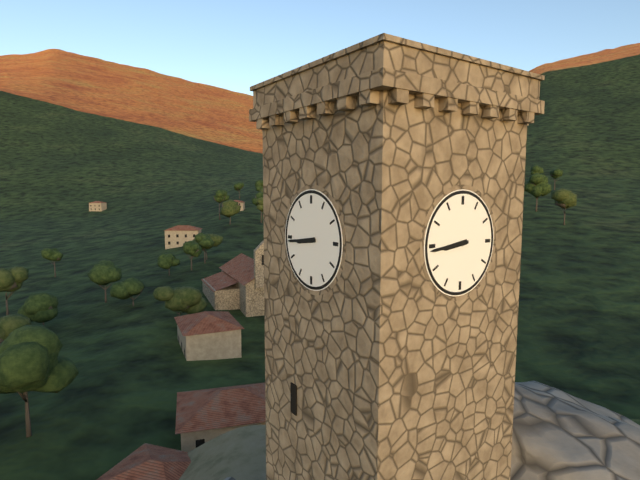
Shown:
8.44
